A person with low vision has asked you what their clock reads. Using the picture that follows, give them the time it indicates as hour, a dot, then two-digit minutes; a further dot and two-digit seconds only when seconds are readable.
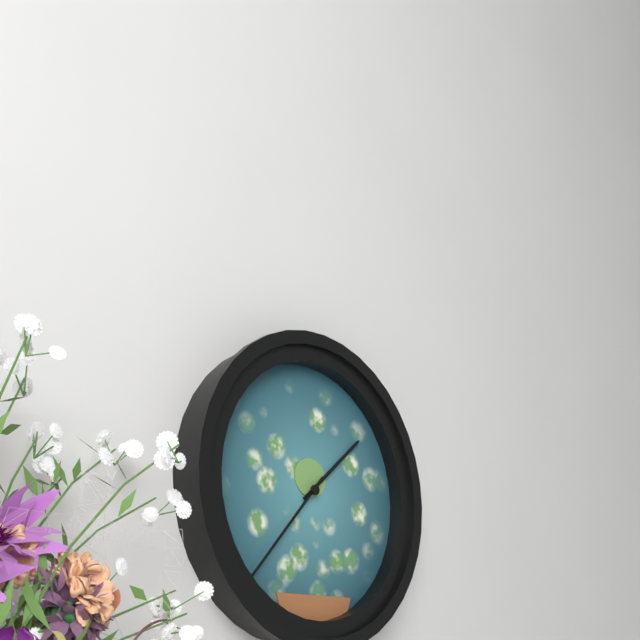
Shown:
1.37
